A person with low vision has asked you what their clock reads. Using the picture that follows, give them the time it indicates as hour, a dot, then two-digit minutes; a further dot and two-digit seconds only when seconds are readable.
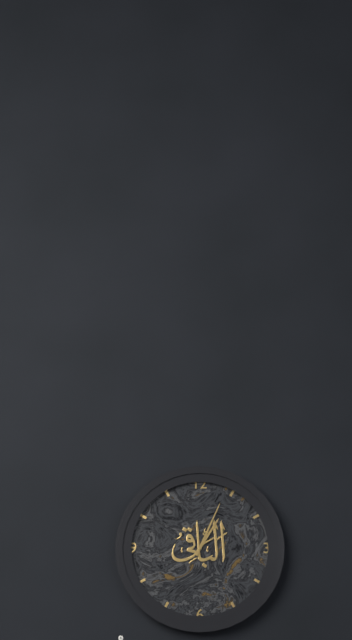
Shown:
1.04
